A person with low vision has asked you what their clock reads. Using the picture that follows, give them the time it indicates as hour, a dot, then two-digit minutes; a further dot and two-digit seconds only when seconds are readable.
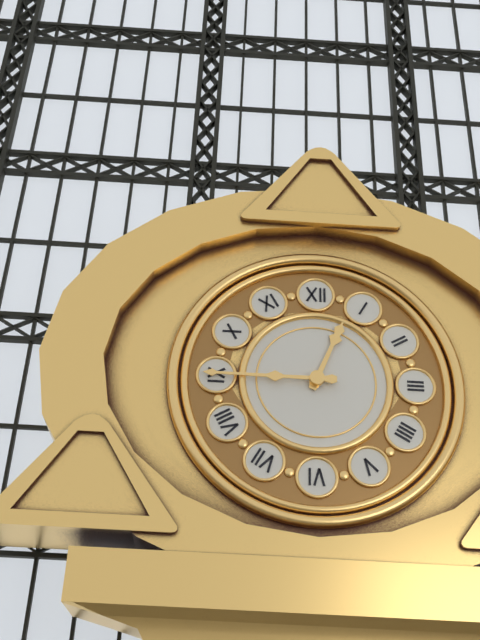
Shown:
12.45
